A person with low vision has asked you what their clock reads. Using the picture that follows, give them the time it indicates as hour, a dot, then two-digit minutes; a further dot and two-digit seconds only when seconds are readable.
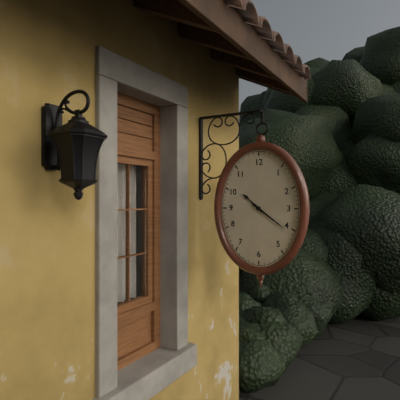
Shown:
10.21
